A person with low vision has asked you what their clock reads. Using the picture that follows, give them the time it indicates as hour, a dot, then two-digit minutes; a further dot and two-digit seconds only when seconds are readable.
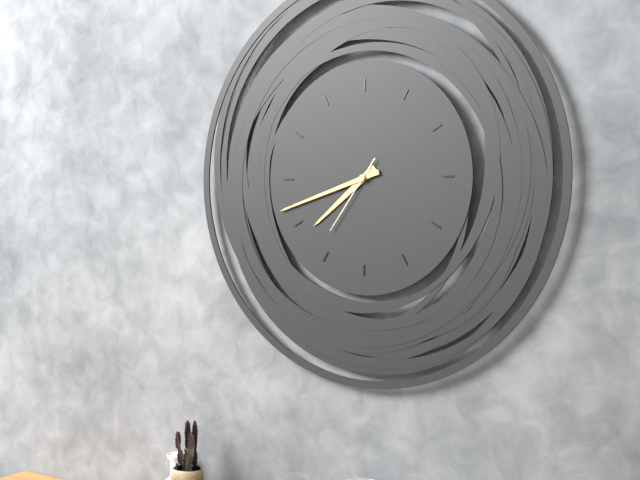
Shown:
7.42.36
